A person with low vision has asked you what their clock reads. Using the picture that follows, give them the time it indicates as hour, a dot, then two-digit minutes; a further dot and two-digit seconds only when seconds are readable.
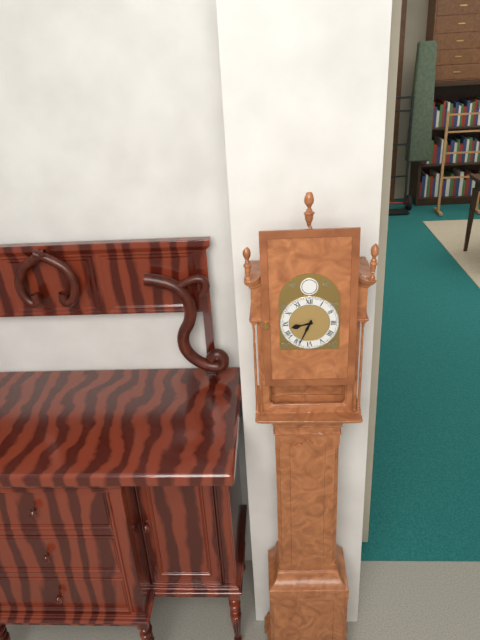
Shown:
8.34
